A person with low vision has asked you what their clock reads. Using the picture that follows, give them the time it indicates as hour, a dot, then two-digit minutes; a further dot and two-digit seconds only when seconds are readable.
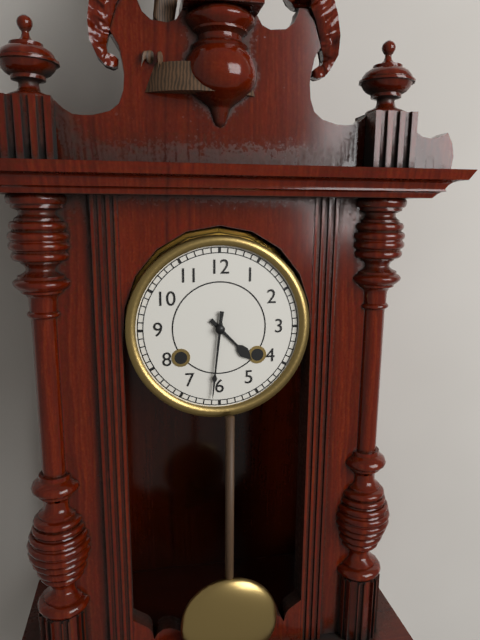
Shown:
4.31
